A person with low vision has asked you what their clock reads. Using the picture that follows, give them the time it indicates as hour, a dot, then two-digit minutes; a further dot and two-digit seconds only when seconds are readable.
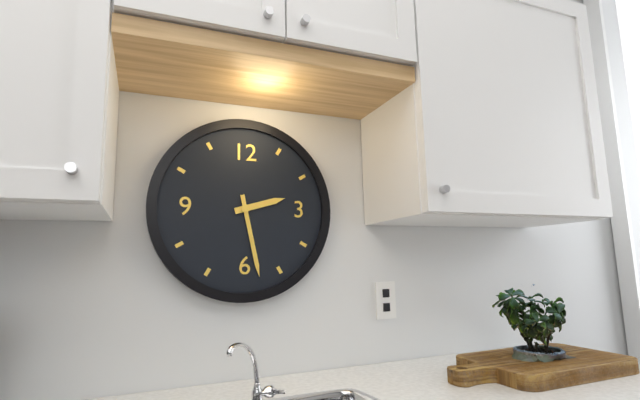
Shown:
2.28
